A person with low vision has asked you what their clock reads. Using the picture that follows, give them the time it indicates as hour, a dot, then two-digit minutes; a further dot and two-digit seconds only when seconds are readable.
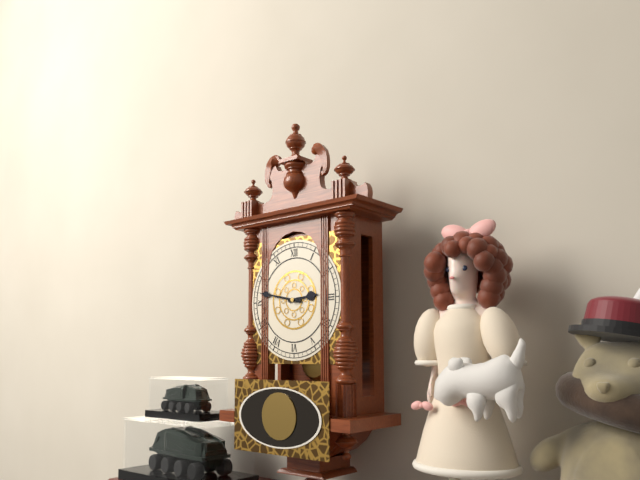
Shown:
2.47
